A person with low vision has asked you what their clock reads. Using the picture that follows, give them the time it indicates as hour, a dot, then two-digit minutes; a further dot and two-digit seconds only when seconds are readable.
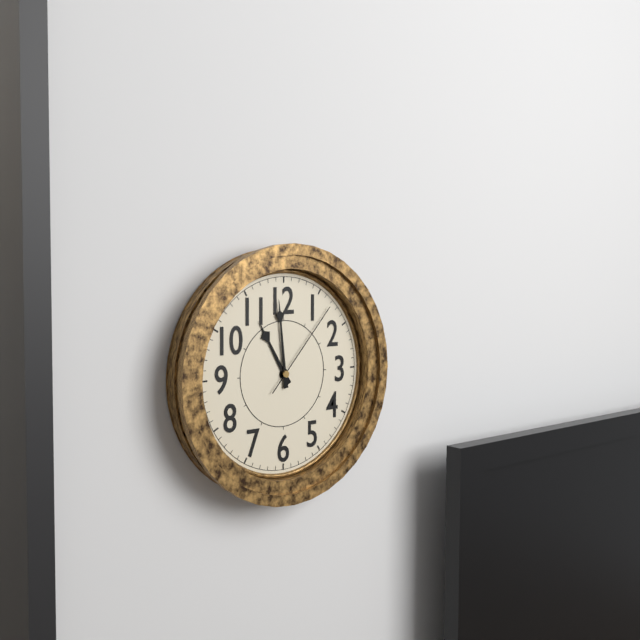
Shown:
10.59.07
